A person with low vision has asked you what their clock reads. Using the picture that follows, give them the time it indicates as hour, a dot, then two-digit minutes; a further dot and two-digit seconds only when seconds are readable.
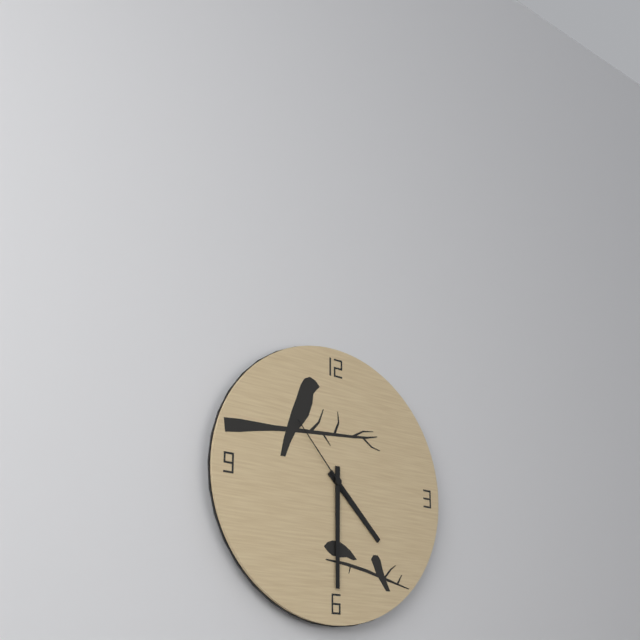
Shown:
4.30.53
